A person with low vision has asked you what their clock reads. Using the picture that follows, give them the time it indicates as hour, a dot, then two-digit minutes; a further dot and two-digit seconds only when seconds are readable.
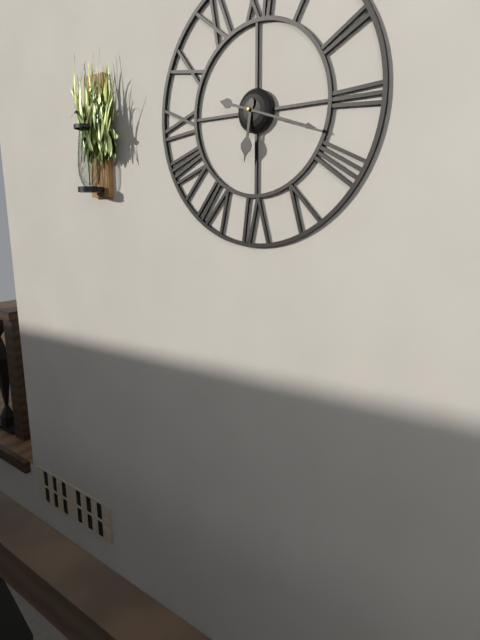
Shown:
6.18
